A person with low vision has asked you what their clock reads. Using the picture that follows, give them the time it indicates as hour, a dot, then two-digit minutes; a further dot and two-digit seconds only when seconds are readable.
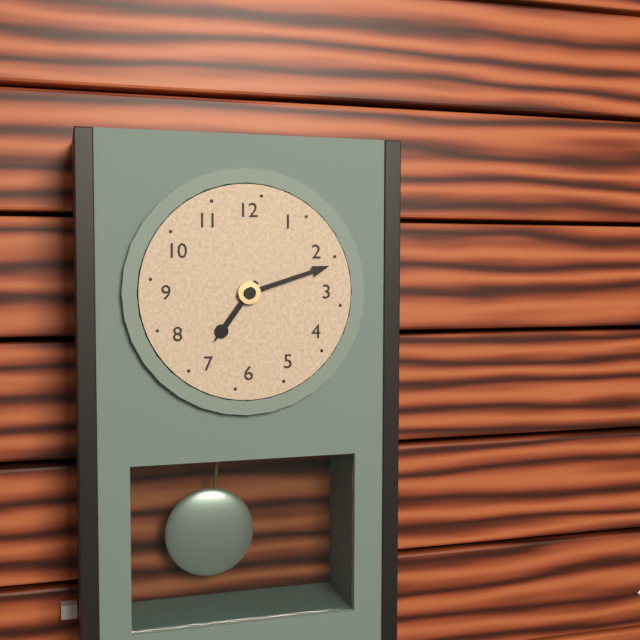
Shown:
7.12
